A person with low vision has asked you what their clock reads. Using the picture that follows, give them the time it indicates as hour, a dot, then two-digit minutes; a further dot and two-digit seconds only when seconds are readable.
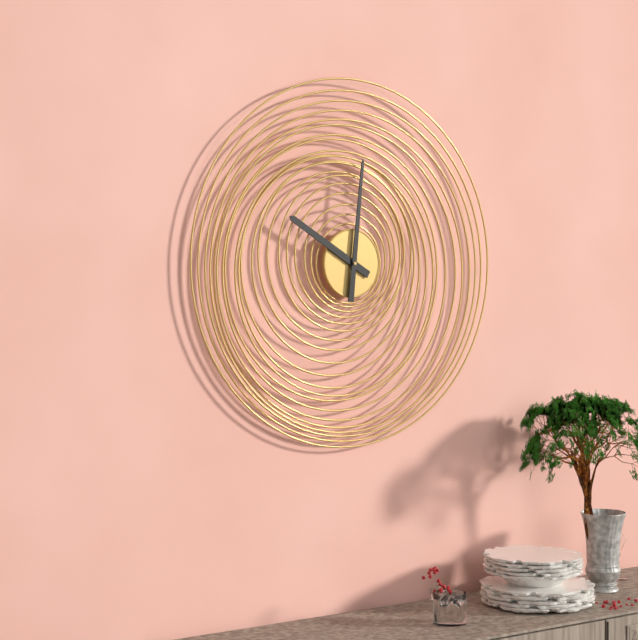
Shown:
10.01
